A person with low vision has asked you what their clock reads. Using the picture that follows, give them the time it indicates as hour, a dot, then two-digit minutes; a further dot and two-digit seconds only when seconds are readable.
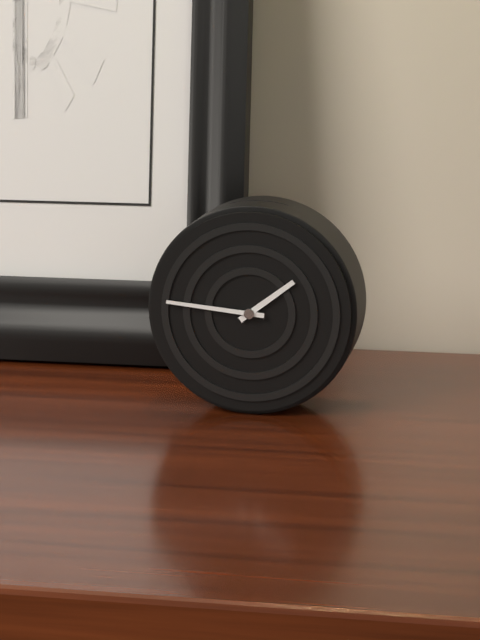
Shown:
1.46
